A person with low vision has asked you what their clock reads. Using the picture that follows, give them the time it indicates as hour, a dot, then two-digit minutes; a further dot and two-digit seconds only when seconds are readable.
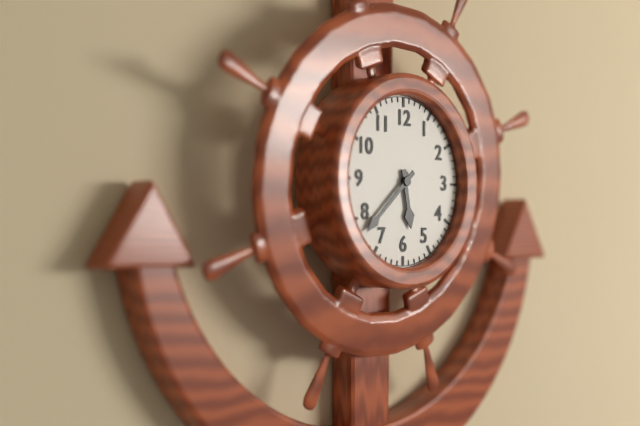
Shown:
5.38
